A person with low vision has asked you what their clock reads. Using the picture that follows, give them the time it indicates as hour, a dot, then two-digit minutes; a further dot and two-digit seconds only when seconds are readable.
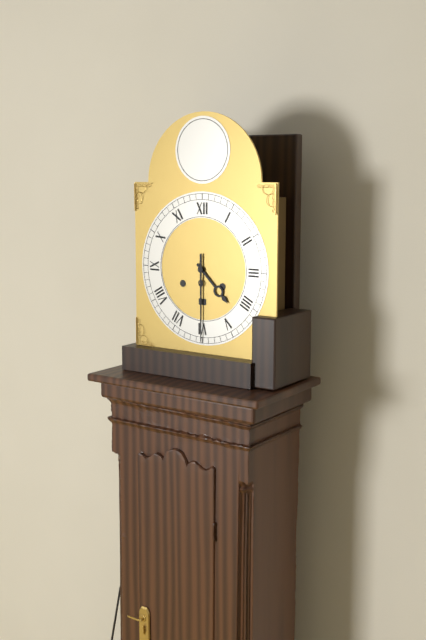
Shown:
4.30
